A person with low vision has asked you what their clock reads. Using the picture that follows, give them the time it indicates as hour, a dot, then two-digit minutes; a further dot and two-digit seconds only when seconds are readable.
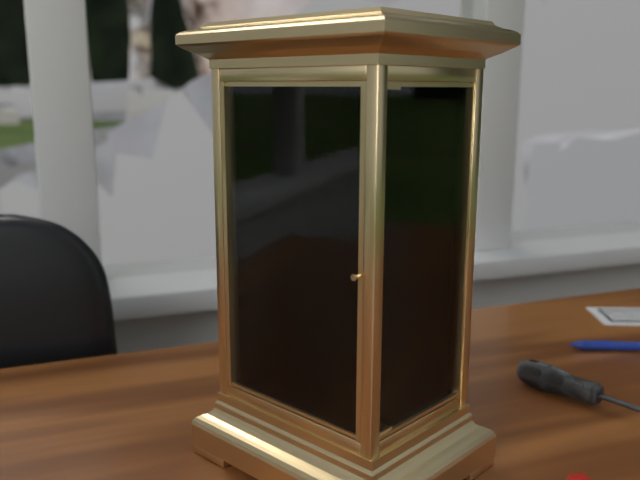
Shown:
12.14
